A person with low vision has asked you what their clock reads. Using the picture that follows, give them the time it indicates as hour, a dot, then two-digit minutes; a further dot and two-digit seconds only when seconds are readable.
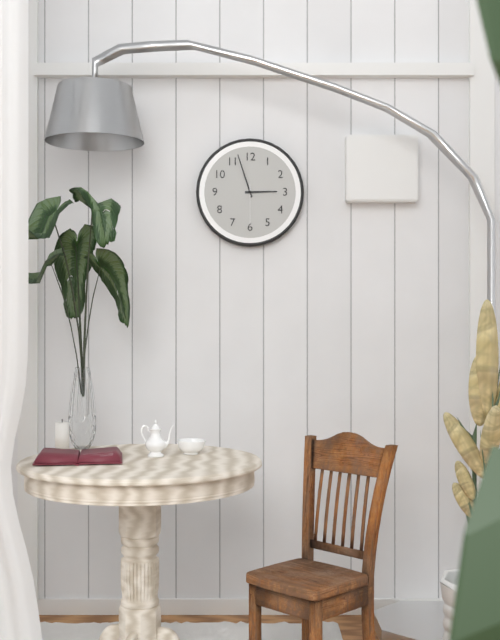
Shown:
2.57
